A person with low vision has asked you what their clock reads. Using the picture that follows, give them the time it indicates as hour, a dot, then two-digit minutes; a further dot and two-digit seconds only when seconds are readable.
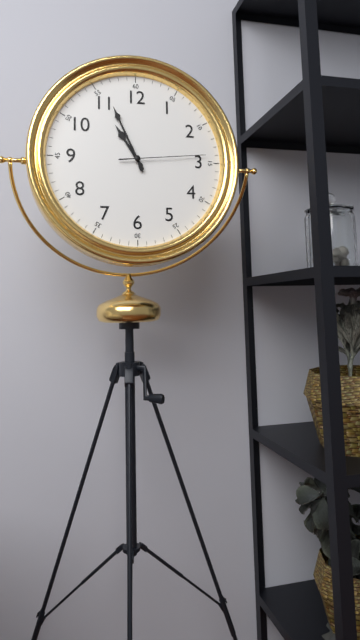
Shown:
10.56.14
